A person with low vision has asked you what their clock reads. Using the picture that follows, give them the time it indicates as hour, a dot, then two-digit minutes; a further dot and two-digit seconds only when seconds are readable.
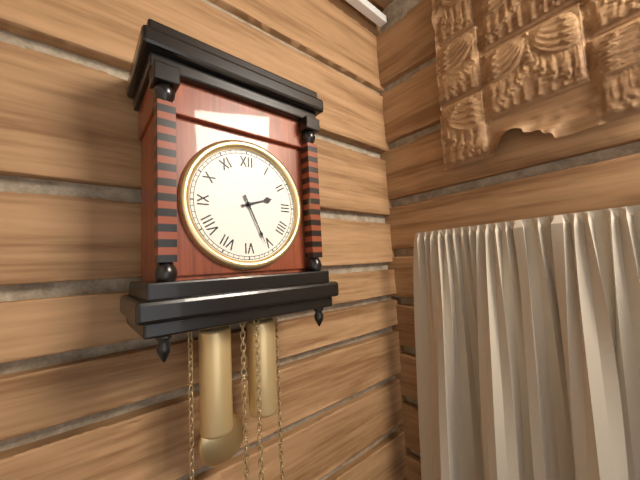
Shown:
2.26
